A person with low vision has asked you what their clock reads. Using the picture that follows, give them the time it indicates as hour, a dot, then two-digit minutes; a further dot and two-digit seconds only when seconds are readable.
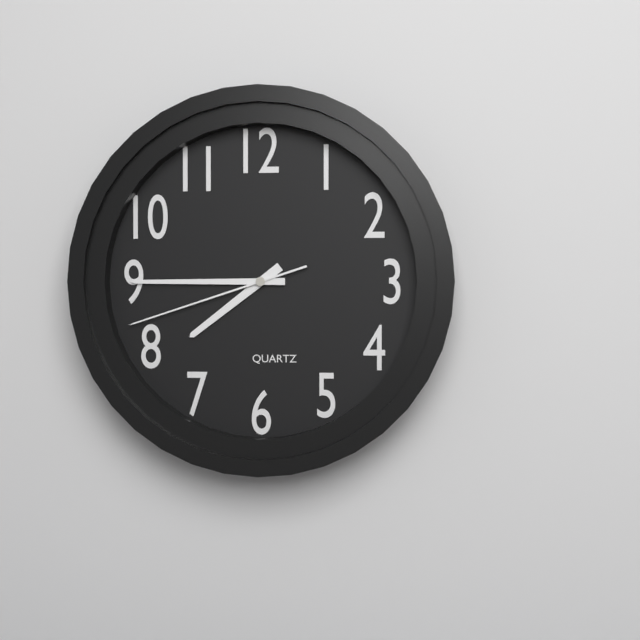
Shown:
7.45.42
